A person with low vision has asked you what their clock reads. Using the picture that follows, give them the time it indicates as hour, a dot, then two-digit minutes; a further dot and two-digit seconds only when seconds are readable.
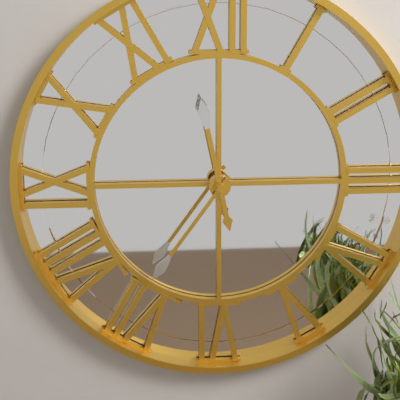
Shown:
11.36
